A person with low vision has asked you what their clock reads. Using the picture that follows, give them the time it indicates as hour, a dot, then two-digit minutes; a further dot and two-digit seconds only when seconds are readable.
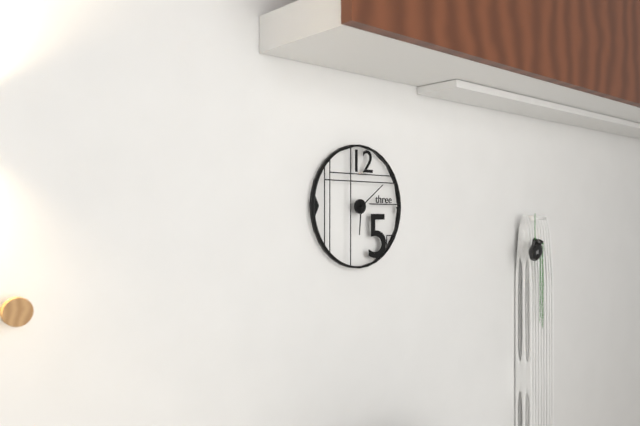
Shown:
6.09
